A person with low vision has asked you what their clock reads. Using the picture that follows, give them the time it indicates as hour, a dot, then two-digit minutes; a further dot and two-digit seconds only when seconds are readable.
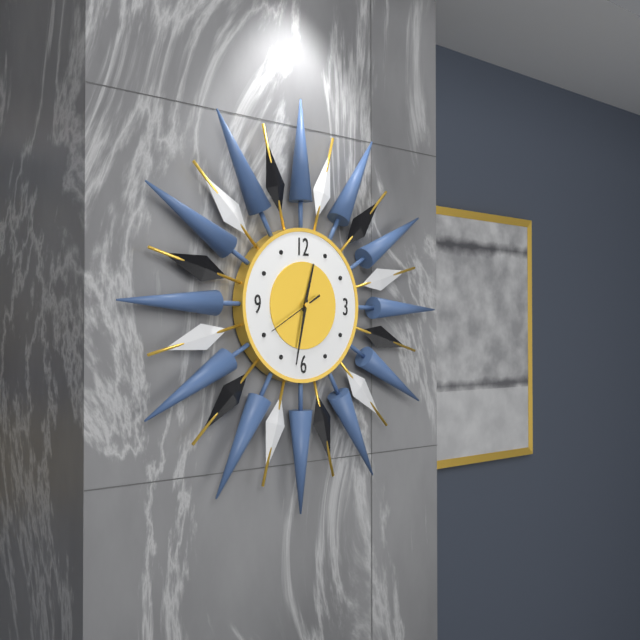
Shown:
12.32.40
